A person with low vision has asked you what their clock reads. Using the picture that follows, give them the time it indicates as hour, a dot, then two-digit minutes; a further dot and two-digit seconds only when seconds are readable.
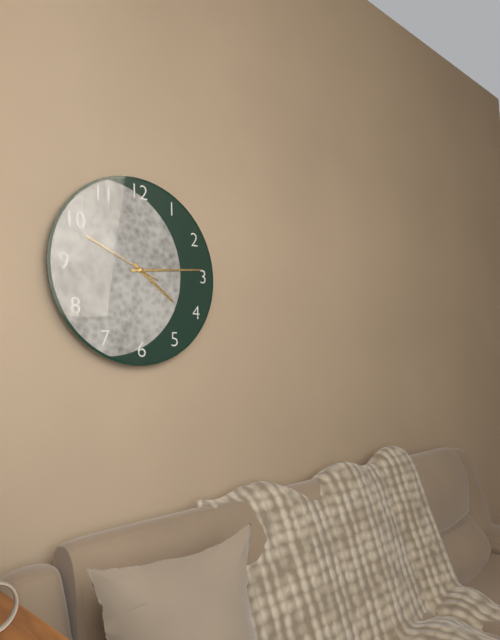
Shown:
4.14.49
